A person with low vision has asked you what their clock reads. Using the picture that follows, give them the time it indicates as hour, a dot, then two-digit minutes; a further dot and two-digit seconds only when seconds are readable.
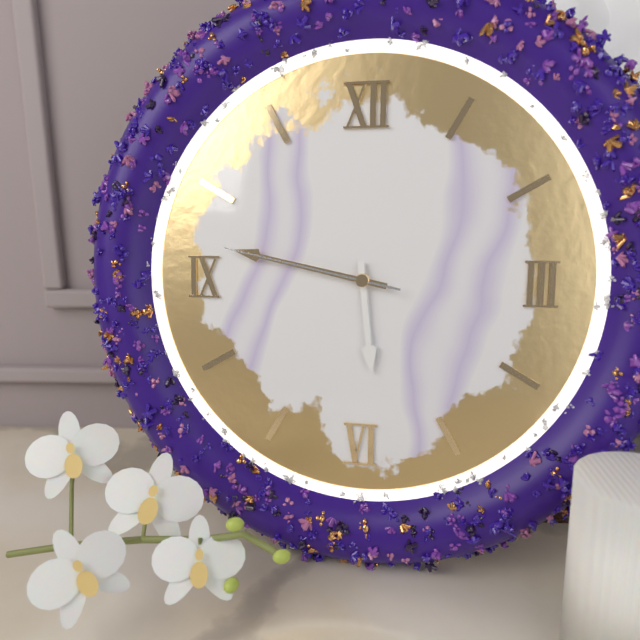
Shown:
5.47.47
